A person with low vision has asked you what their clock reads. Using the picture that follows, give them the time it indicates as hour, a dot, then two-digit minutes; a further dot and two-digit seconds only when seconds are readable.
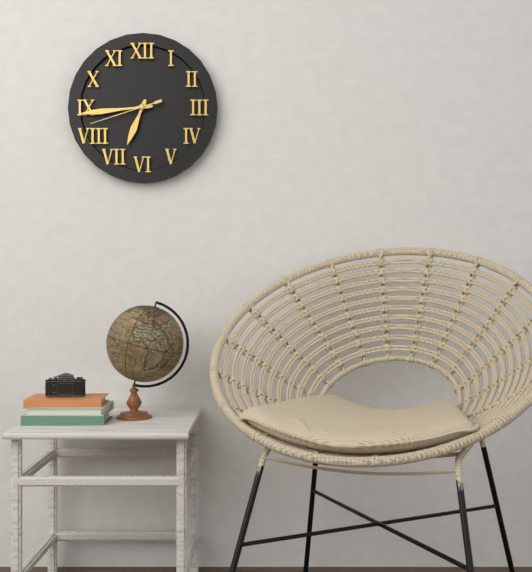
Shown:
6.44.42
